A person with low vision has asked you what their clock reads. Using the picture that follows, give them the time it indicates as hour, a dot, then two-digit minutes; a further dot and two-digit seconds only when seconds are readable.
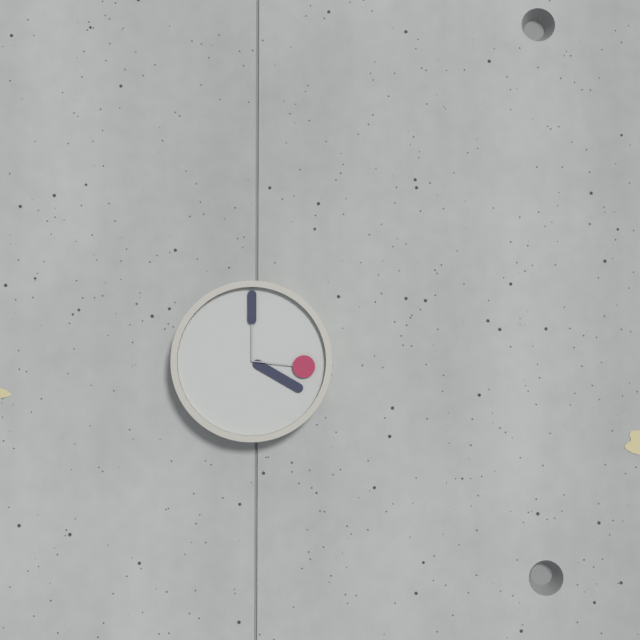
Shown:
4.00.16
